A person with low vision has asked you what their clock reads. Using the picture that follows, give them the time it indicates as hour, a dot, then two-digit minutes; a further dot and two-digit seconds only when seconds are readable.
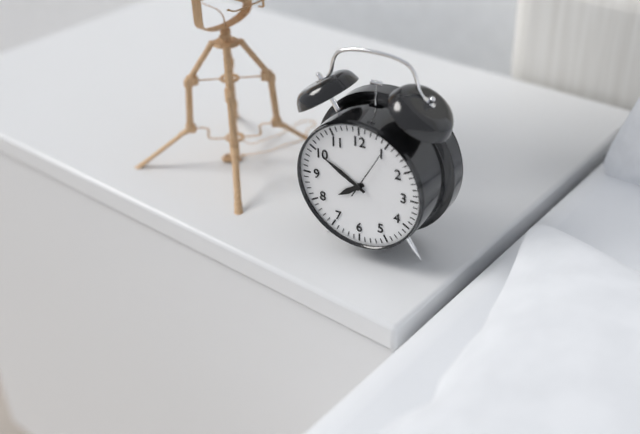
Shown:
7.50
